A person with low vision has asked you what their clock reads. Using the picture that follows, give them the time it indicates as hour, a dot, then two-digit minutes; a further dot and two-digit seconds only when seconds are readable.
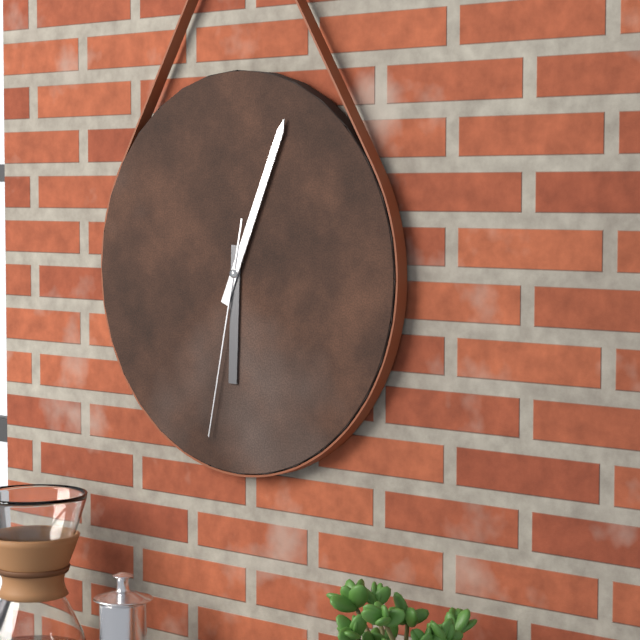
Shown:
6.04.32
